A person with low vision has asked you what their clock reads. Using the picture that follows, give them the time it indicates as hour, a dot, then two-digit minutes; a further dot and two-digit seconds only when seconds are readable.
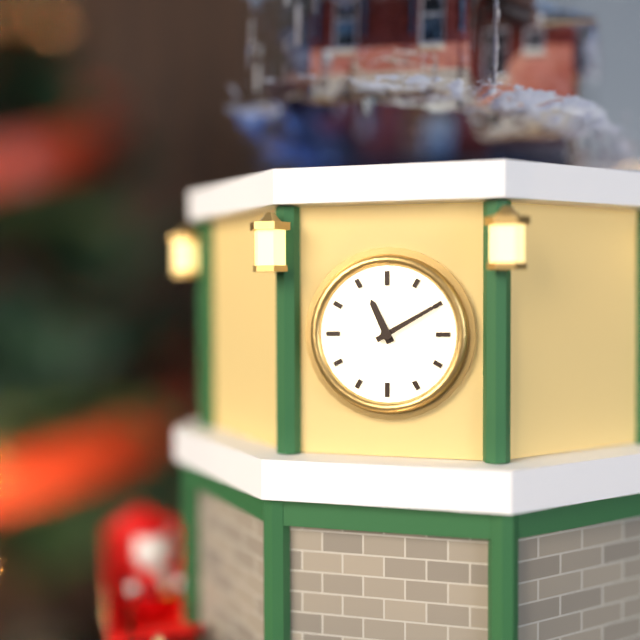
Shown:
11.10
